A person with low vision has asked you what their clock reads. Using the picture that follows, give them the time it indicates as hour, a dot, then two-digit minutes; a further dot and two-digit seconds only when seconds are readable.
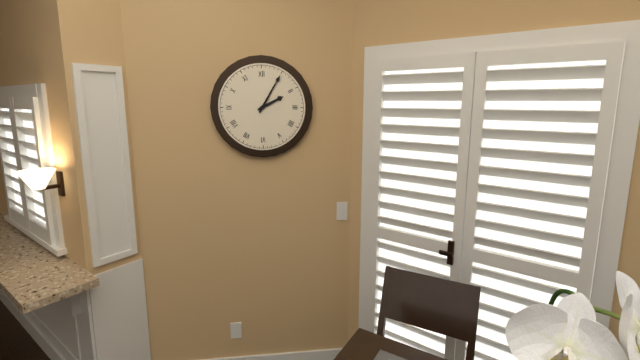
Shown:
2.05
